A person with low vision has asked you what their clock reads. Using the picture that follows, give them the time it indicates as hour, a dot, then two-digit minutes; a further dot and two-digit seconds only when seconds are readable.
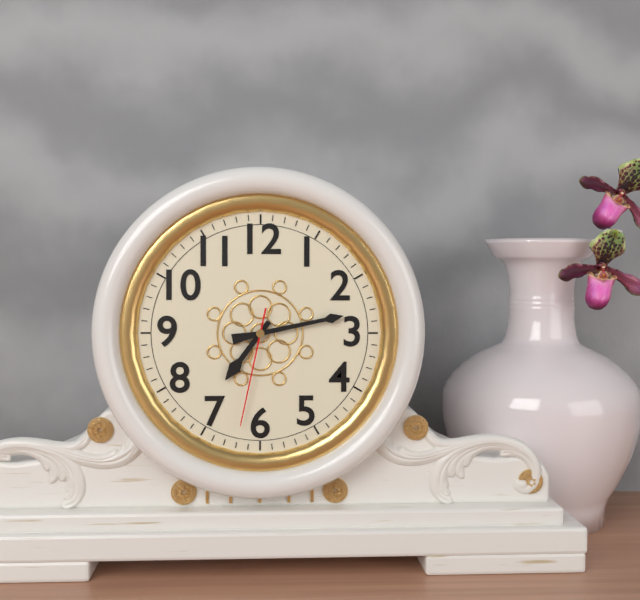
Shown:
7.13.32
